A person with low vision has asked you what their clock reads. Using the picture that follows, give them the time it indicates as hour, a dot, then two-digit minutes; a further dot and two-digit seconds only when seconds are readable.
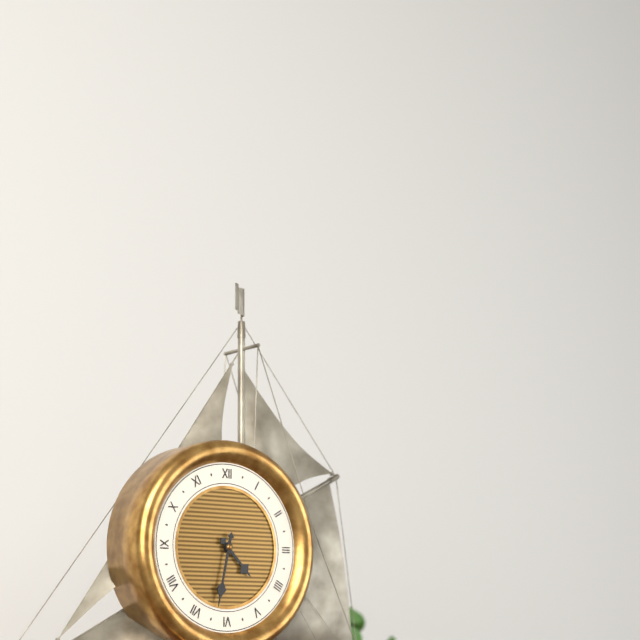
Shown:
4.32
